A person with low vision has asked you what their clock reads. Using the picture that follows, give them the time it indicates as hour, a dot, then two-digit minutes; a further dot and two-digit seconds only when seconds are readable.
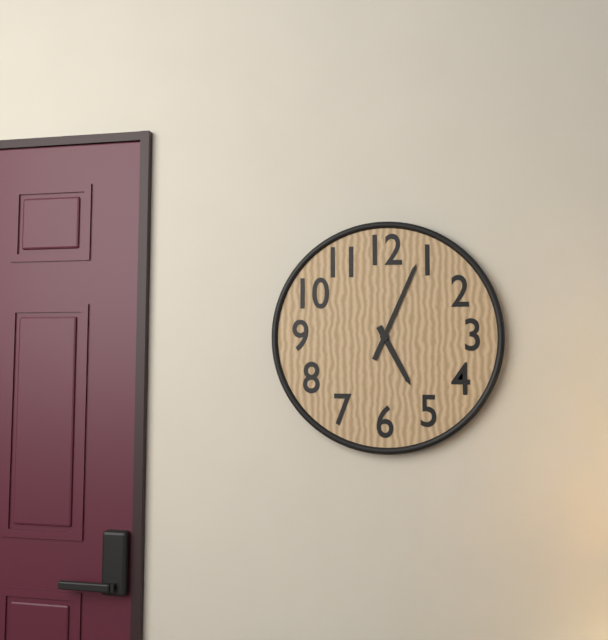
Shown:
5.04
